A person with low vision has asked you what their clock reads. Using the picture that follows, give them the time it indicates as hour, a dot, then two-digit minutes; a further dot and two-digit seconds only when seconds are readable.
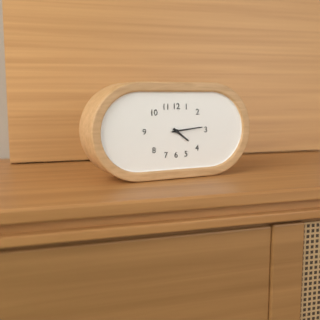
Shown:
4.14
